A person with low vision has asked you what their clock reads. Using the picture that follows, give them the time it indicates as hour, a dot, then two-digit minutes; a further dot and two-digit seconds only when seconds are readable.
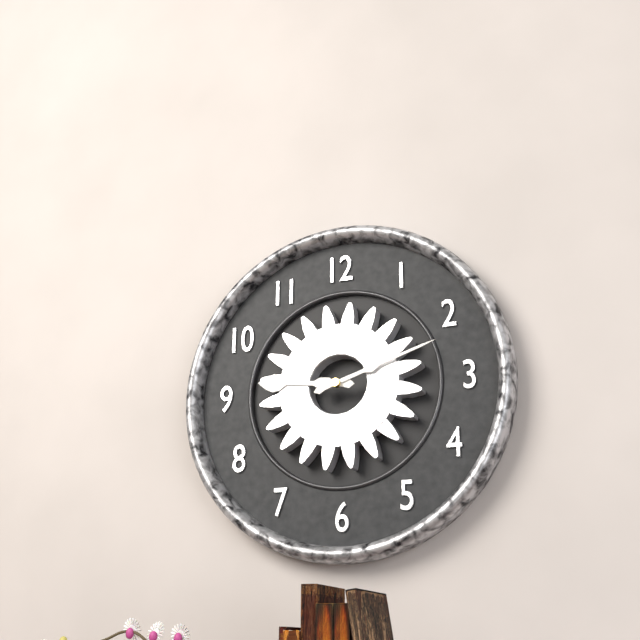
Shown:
9.12
